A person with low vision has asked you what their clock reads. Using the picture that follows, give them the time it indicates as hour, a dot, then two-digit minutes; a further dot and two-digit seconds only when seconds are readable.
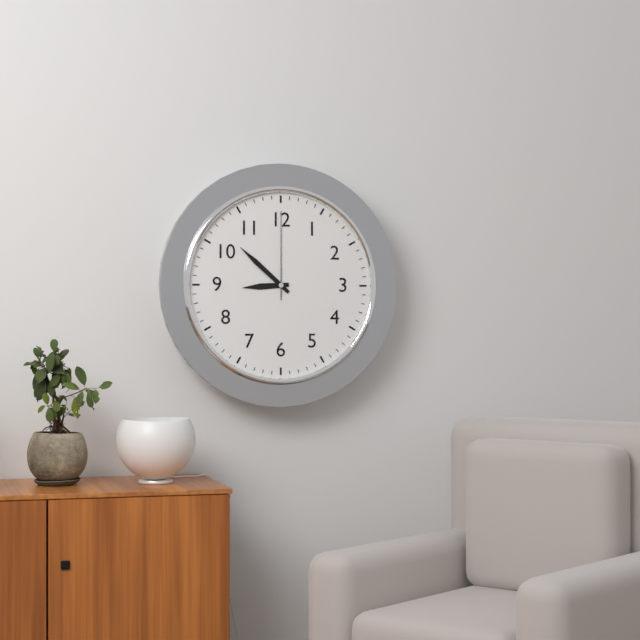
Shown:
8.52.00
